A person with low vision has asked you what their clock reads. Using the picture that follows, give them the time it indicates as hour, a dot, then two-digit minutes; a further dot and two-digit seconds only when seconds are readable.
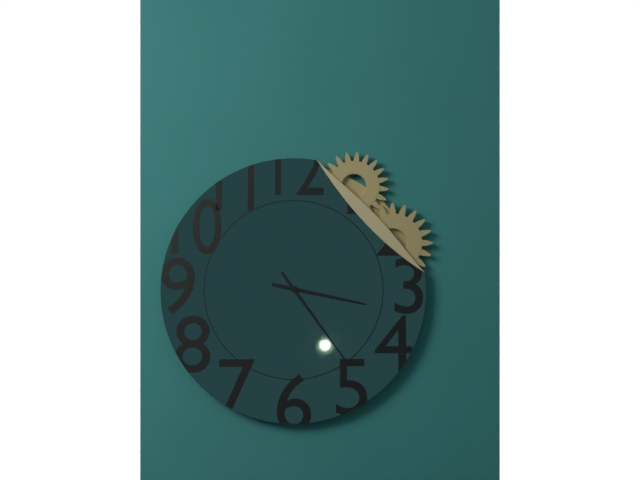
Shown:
3.24
